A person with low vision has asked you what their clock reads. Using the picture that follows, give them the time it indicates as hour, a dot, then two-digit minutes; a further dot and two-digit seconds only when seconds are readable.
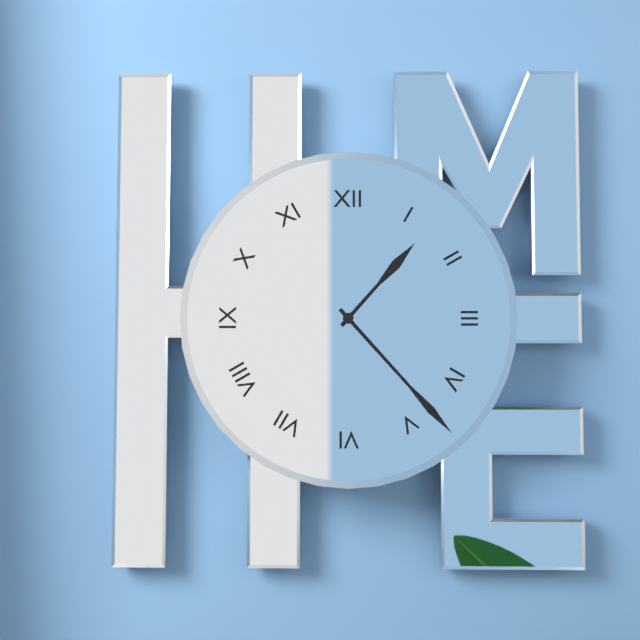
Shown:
1.23
